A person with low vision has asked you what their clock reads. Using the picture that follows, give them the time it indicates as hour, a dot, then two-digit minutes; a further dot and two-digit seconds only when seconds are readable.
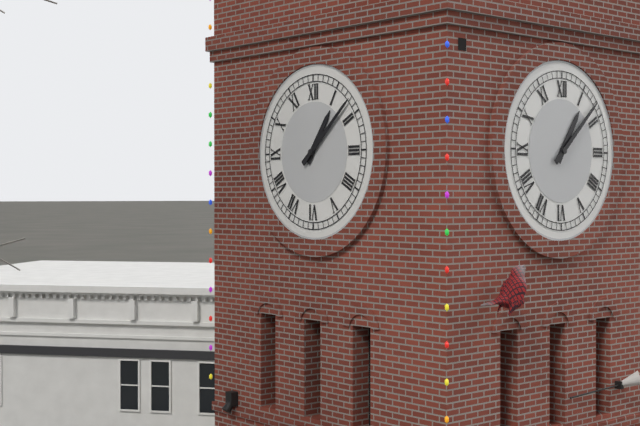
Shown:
1.08
